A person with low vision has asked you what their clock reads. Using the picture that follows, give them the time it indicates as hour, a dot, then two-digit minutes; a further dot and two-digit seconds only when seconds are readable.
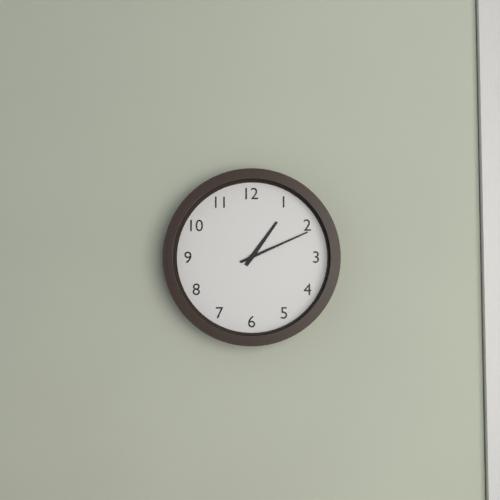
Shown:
1.11
